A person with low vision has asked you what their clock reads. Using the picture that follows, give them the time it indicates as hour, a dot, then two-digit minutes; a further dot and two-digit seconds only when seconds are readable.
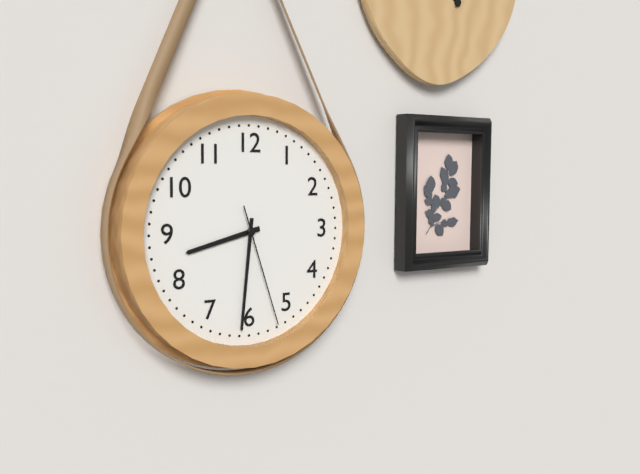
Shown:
8.31.27
